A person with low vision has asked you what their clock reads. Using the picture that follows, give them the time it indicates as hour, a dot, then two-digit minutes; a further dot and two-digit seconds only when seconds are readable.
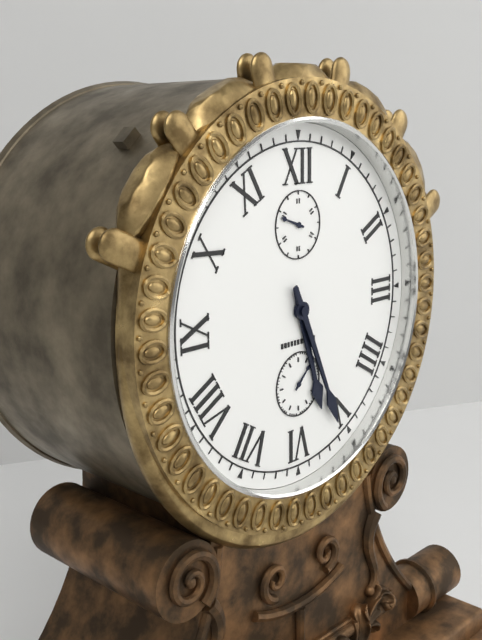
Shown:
5.26
